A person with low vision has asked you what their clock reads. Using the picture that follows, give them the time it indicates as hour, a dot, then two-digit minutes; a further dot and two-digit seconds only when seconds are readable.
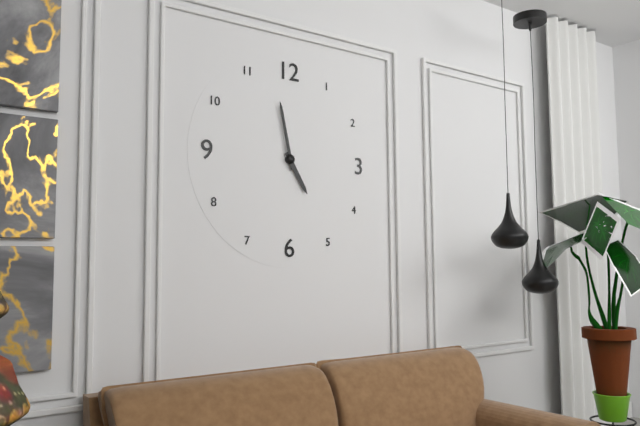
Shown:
4.58
